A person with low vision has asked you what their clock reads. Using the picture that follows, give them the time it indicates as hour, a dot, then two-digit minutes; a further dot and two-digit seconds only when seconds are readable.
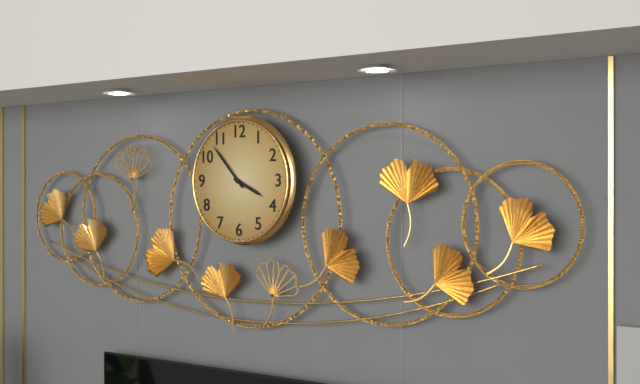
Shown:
3.53
